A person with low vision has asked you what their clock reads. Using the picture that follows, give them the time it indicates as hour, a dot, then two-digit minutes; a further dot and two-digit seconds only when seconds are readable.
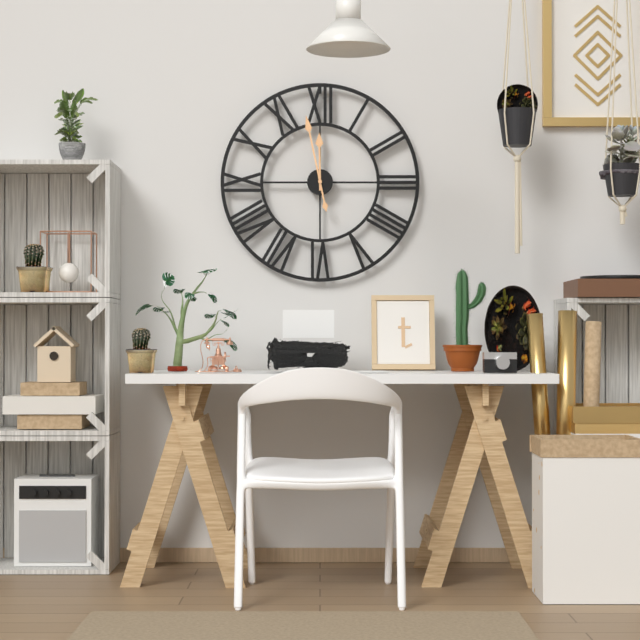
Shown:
11.58
